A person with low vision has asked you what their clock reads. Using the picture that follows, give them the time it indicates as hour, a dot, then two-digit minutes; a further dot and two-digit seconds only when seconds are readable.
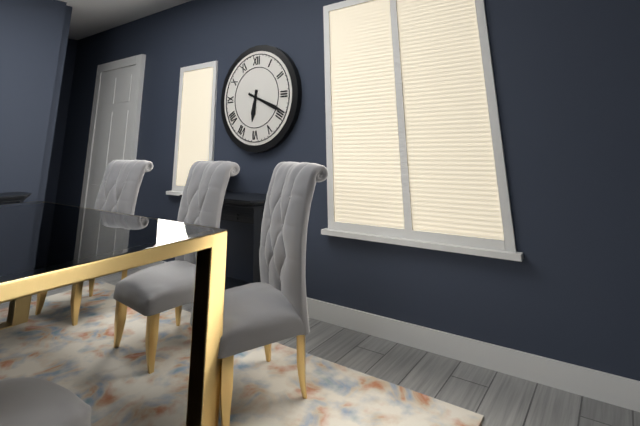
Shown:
6.19
